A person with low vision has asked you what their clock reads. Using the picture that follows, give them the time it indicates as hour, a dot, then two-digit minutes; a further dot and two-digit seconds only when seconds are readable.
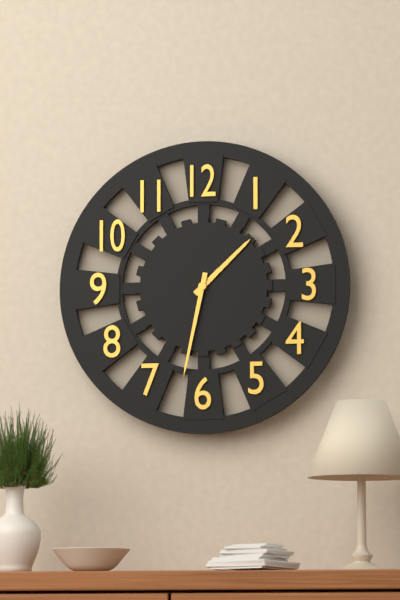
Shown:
1.32
